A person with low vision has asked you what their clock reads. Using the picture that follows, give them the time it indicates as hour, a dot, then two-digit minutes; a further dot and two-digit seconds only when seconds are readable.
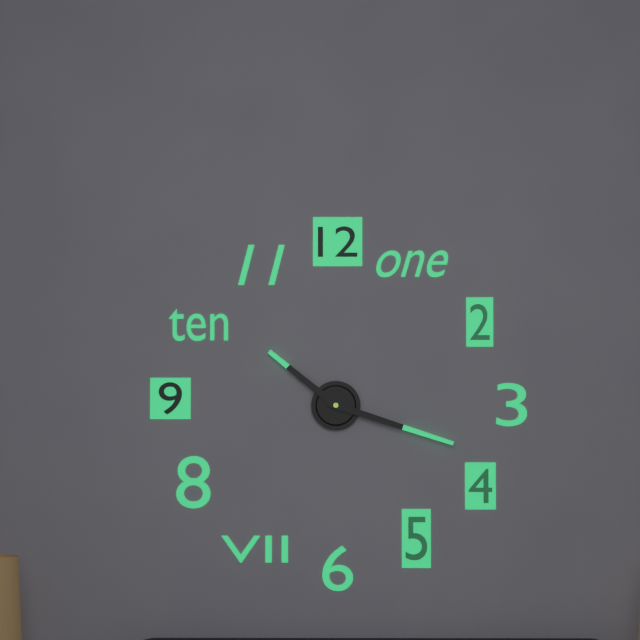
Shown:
10.18
